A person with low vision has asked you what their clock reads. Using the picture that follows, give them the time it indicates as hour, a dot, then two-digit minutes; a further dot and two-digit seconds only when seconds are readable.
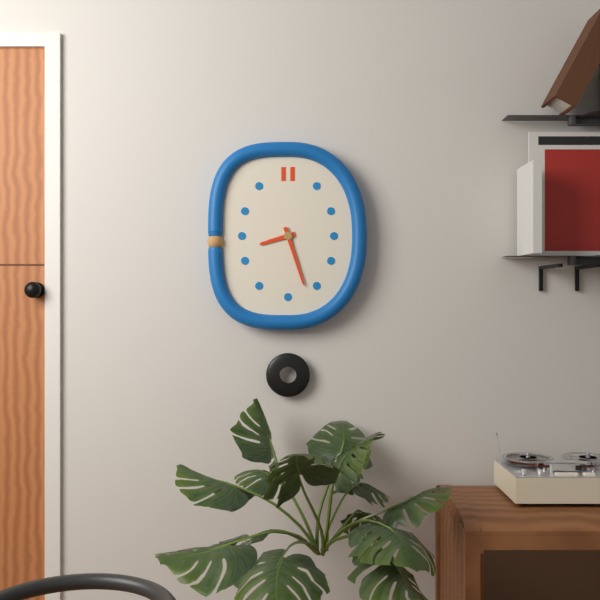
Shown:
8.27
